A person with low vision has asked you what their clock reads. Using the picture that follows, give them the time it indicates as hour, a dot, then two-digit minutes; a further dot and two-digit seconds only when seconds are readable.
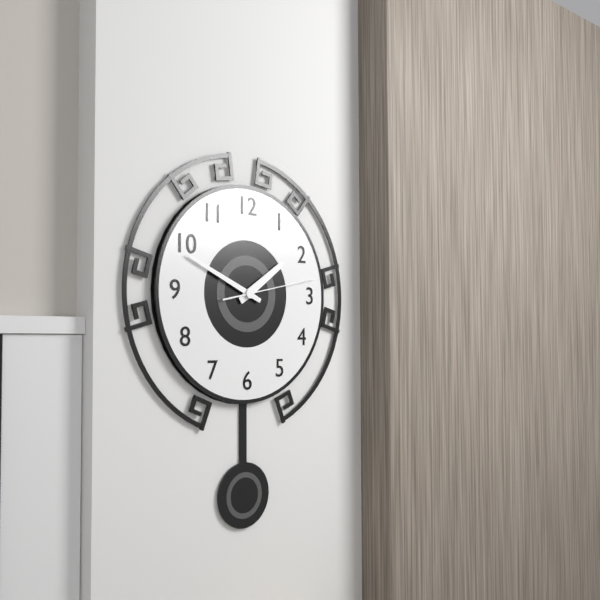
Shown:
1.49.13
